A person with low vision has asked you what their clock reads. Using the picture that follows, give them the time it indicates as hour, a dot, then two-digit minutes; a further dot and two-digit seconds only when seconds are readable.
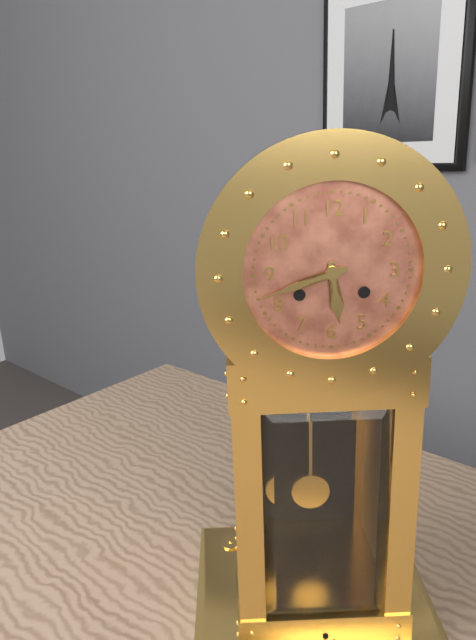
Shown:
5.42
